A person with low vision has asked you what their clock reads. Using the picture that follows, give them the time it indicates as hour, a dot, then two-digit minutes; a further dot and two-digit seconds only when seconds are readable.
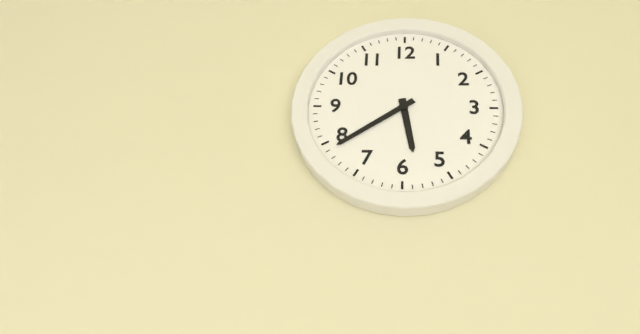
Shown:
5.39
